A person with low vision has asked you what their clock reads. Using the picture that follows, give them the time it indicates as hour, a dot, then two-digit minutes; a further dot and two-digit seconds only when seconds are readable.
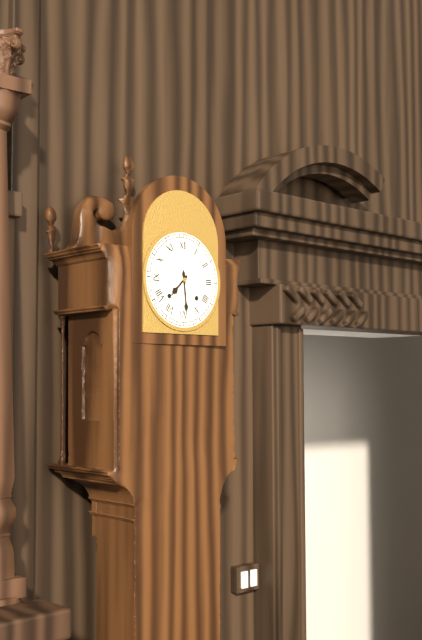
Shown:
7.29
